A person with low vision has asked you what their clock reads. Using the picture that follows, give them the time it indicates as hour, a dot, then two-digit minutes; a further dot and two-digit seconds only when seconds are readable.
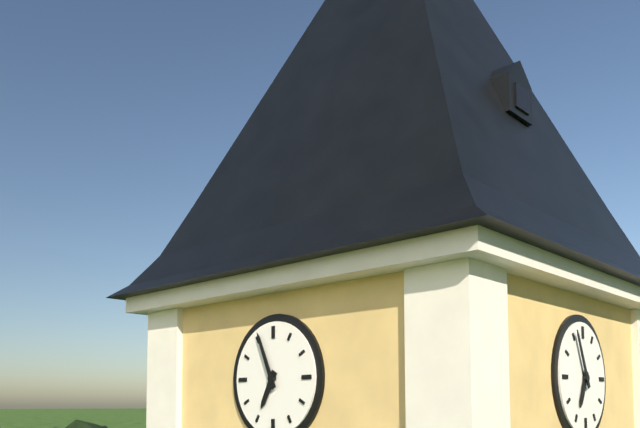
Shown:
6.56
